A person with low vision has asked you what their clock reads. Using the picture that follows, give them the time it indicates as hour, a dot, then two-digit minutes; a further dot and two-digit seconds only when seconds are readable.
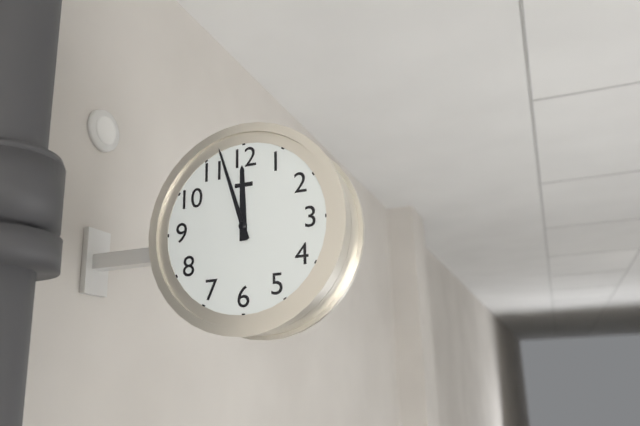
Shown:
11.57
